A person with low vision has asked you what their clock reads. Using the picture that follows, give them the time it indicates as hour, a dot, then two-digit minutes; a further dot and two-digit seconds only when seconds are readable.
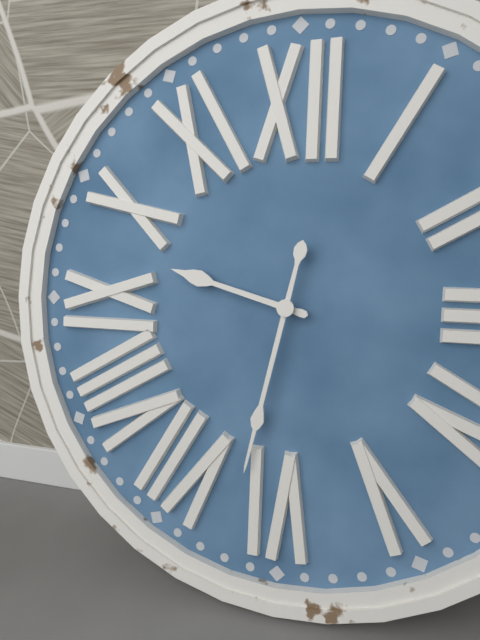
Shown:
9.32
